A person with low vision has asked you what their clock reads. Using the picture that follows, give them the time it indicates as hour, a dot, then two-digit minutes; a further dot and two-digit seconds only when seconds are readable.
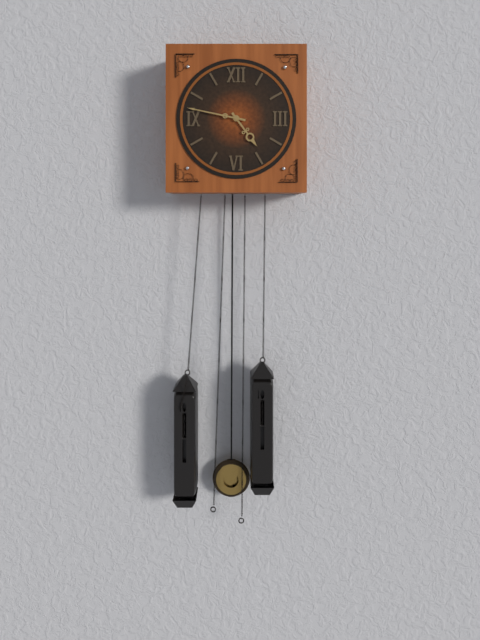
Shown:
4.47
